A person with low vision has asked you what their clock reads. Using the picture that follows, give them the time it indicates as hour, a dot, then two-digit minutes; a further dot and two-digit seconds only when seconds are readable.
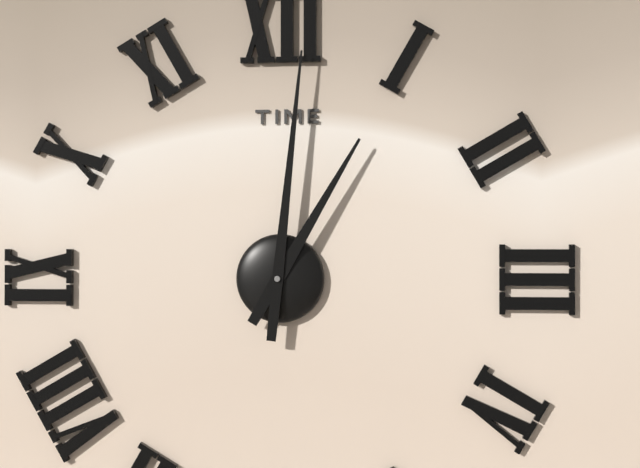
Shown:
1.01
